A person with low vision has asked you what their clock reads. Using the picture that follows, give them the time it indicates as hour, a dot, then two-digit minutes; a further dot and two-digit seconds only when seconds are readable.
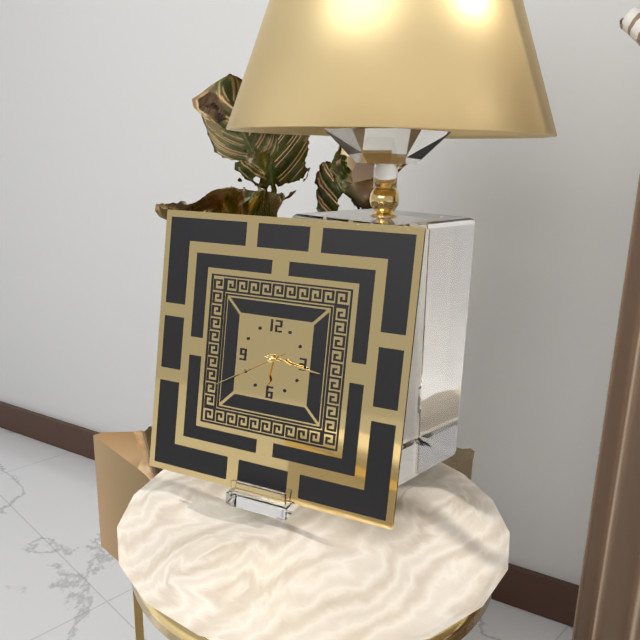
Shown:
6.16.40
